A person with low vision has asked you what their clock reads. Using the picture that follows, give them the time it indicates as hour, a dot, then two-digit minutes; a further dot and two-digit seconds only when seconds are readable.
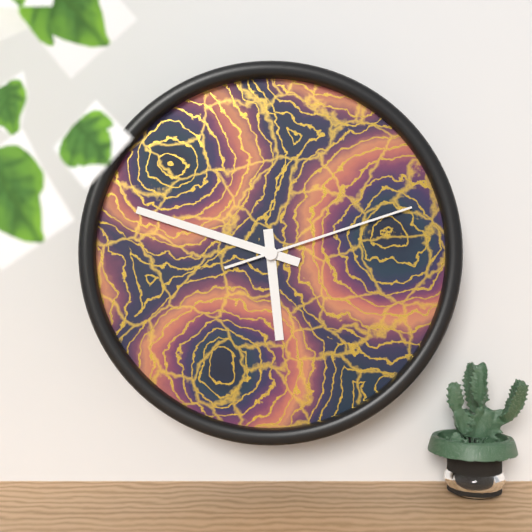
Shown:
5.48.12
